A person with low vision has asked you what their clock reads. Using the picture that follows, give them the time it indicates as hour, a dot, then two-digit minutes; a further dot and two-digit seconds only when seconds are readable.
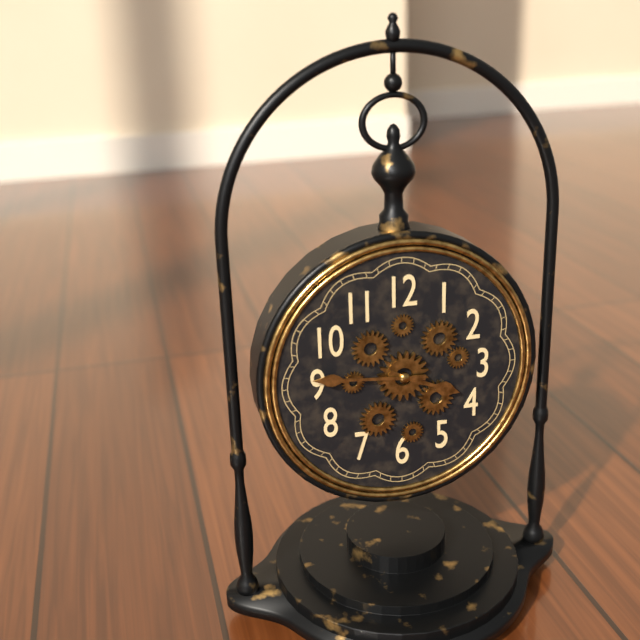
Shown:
3.46
